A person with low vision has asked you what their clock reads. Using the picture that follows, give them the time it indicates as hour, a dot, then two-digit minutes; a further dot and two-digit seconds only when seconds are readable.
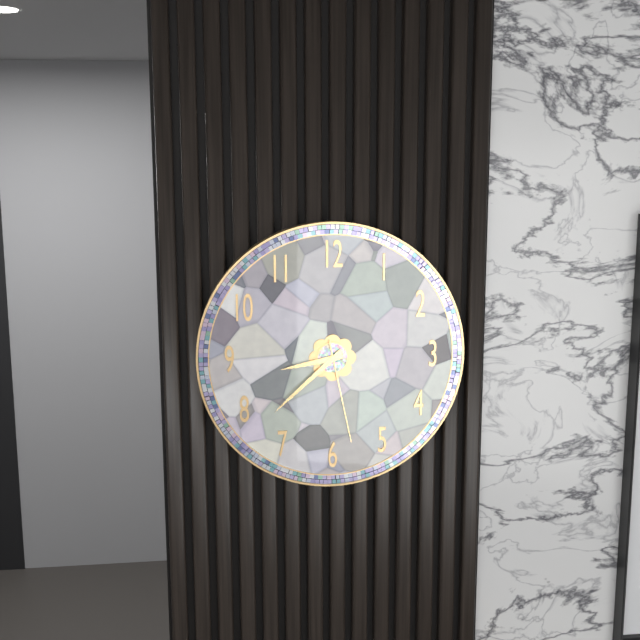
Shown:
8.38.28
